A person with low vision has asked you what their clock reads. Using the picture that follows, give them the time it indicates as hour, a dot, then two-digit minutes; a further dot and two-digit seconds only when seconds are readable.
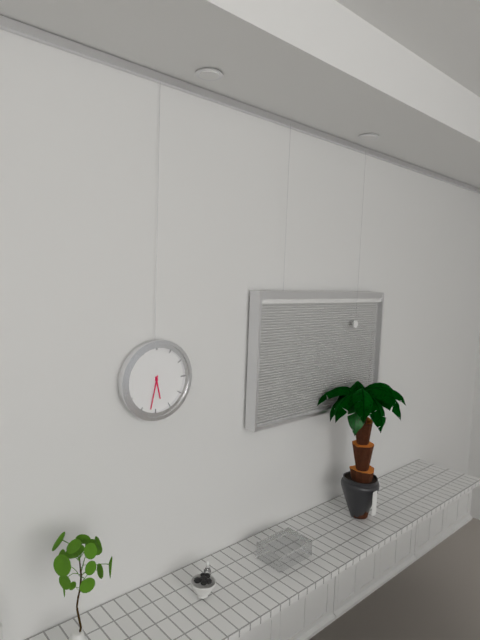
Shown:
5.32
